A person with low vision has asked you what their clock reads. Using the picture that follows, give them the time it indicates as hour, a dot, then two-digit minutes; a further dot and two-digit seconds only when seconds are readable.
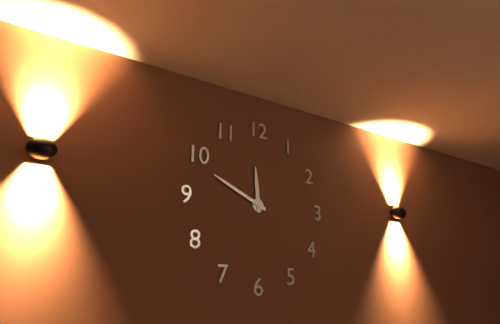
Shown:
11.49
